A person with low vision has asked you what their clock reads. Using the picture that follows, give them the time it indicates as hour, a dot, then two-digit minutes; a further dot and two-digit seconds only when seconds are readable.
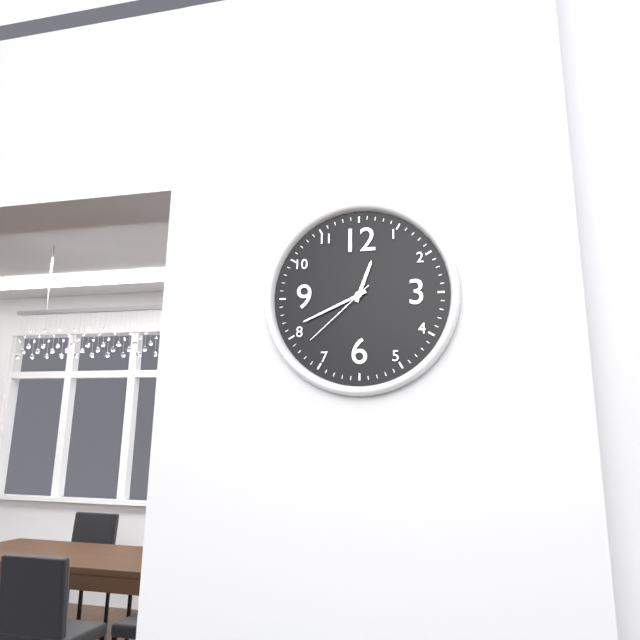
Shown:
12.41.38
